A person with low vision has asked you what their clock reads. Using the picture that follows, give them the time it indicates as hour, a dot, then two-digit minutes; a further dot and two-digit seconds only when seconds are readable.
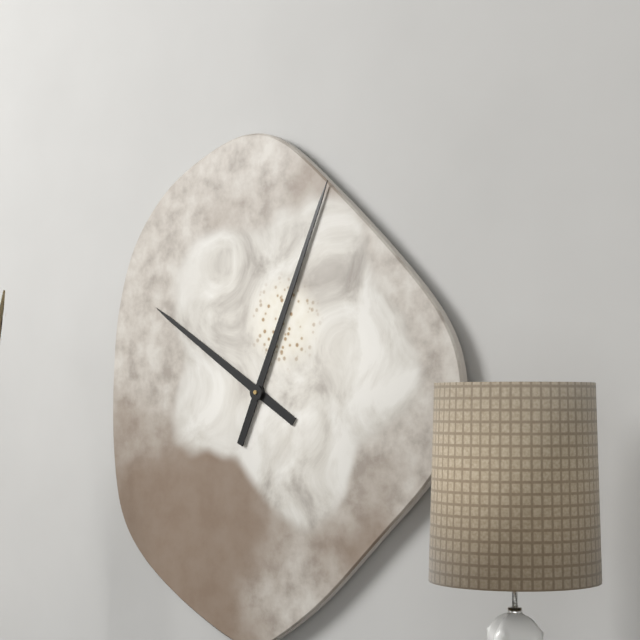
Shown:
10.04
